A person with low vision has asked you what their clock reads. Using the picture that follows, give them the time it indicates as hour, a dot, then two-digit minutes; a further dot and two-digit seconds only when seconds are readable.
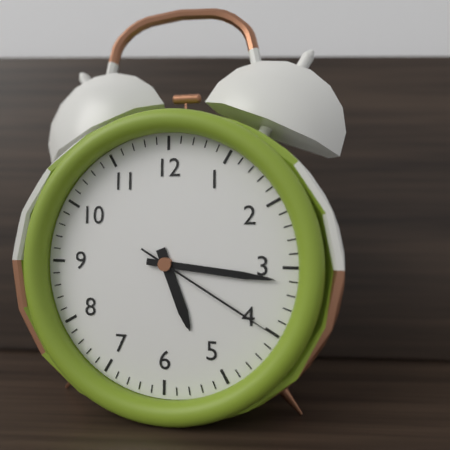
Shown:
5.16.20
